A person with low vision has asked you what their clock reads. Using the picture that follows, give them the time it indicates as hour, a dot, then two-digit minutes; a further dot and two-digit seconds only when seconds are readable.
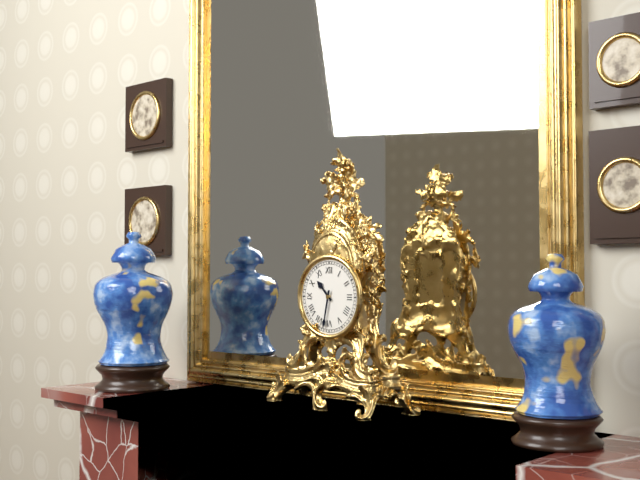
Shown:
10.32
